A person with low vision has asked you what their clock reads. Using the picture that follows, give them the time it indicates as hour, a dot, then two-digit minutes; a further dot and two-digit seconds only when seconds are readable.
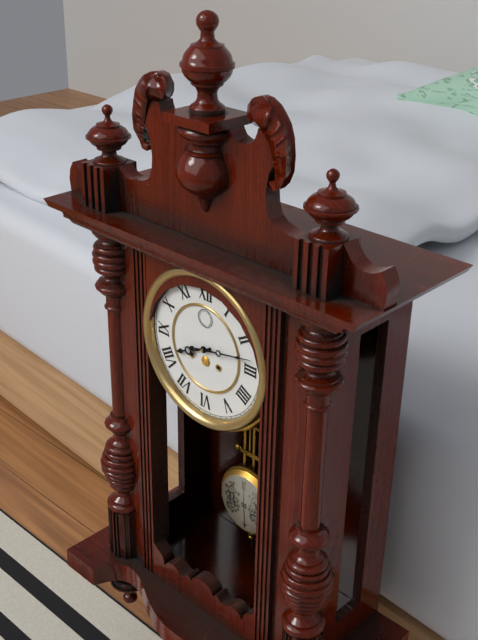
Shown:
8.13
